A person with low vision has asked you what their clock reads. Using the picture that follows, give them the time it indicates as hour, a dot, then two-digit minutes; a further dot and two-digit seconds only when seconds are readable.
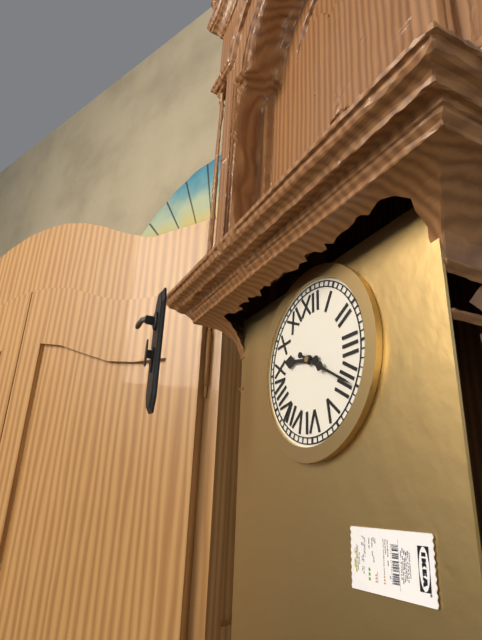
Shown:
9.20
